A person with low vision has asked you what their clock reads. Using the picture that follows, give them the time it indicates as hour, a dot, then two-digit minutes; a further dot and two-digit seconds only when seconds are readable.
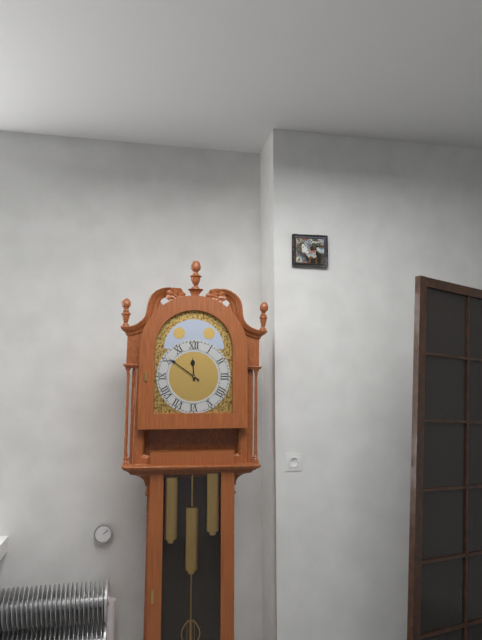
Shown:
11.51
